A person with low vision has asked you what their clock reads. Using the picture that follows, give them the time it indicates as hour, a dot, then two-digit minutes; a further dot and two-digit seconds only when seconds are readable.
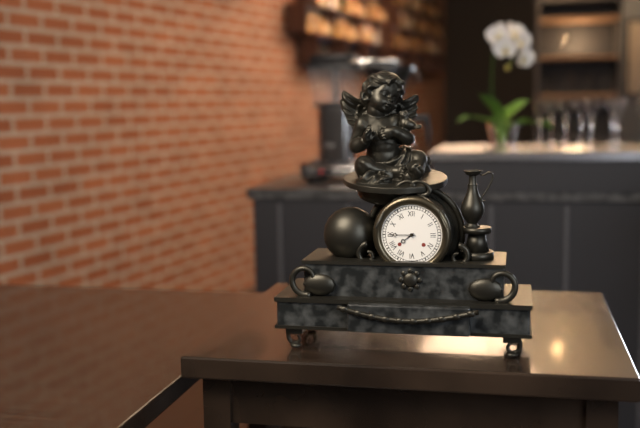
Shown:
7.45
